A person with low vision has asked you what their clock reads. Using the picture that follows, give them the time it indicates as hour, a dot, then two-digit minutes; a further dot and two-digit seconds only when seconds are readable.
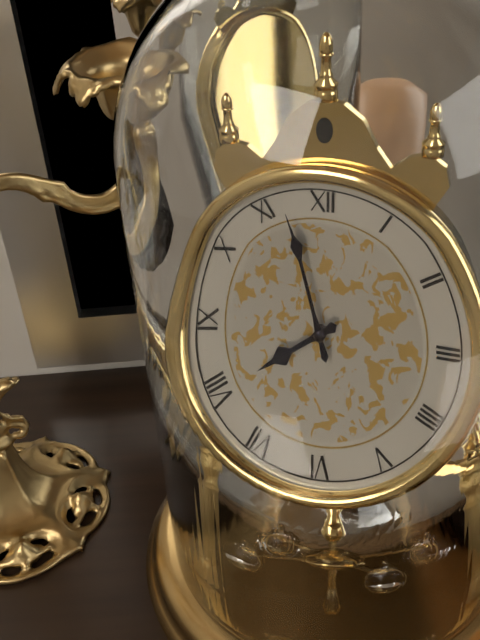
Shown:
7.57
